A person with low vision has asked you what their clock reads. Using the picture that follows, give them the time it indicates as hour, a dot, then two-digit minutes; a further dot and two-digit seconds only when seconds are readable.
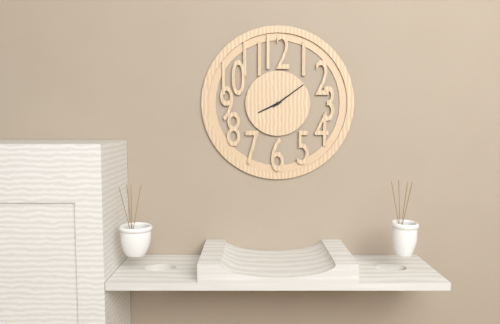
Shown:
8.09
